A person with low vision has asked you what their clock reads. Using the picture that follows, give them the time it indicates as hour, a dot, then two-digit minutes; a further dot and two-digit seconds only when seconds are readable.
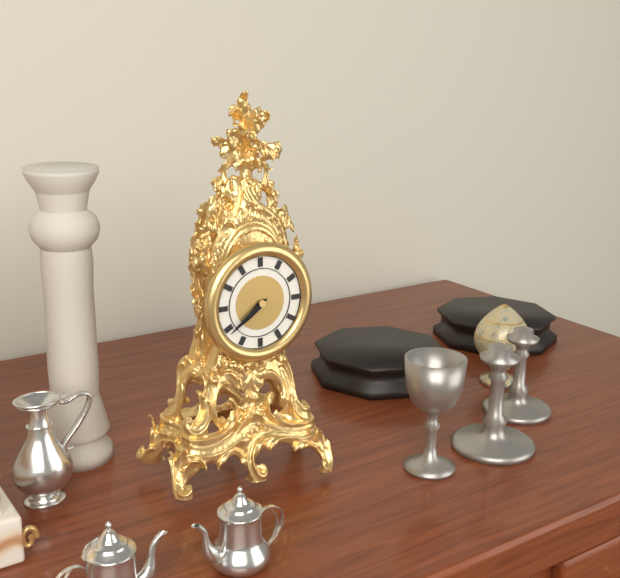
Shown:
7.39
